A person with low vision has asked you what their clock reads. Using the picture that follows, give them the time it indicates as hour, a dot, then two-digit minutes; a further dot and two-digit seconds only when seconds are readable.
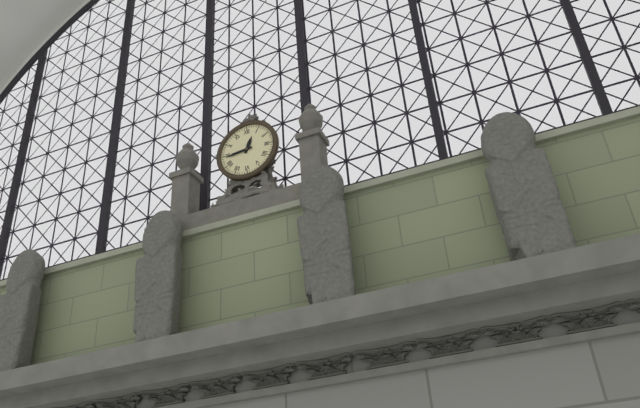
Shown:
12.44
